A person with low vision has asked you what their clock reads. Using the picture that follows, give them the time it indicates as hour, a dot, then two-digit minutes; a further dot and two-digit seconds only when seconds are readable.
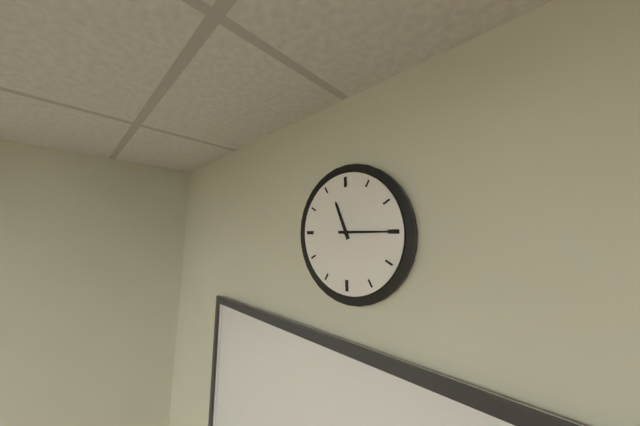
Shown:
11.15
